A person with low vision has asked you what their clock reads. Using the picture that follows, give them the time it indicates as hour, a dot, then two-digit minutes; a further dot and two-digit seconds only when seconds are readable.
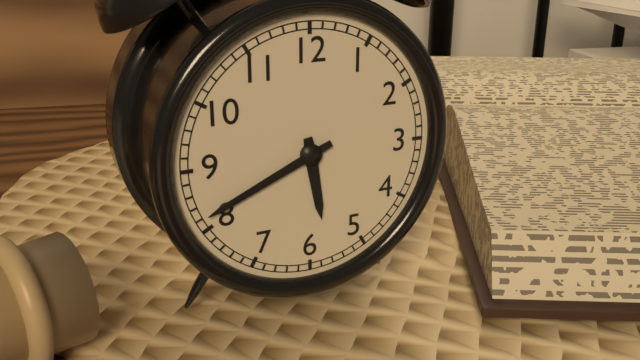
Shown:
5.41
